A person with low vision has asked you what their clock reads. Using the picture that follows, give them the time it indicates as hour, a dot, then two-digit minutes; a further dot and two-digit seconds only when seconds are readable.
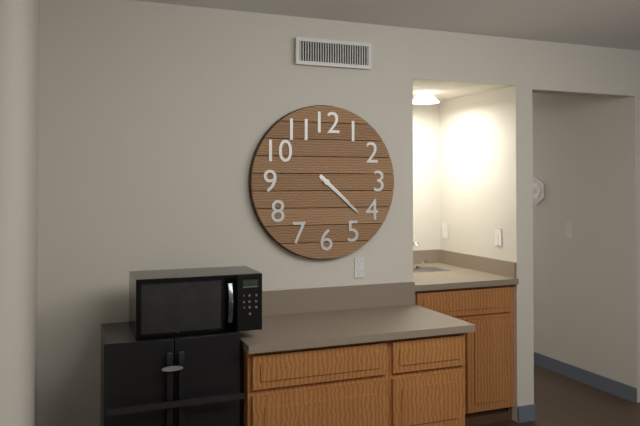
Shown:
4.22
